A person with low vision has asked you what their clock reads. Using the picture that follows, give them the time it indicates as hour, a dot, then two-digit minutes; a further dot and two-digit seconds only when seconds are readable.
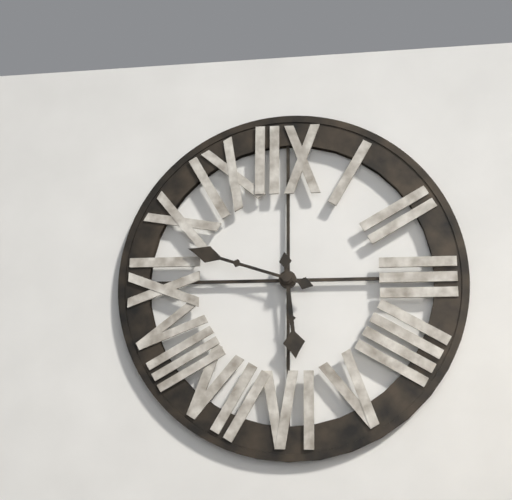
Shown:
5.48
